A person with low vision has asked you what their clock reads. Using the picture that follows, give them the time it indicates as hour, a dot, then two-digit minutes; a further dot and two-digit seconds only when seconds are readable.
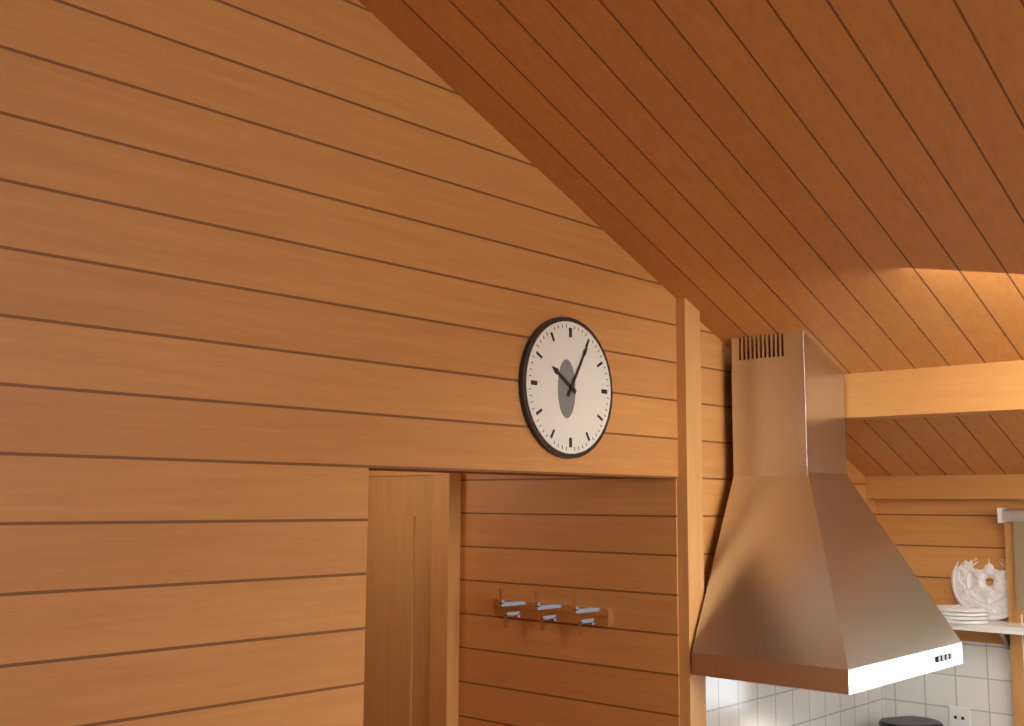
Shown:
10.05
